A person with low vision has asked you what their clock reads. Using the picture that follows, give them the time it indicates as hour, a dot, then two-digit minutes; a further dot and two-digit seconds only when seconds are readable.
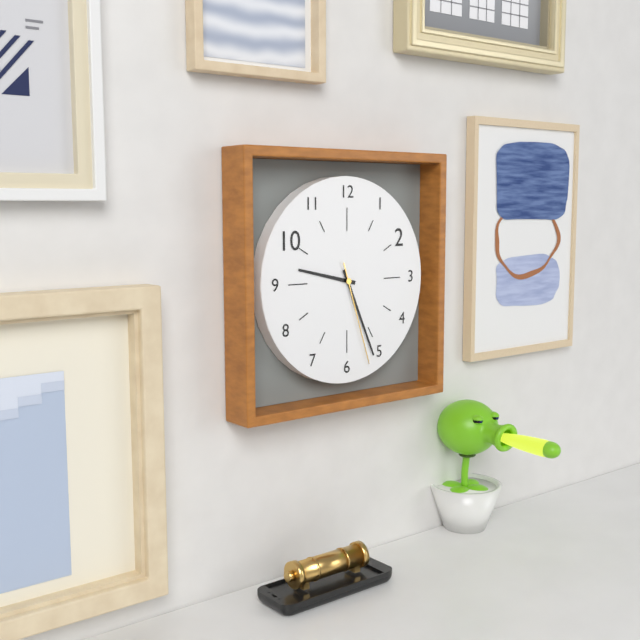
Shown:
9.26.27
